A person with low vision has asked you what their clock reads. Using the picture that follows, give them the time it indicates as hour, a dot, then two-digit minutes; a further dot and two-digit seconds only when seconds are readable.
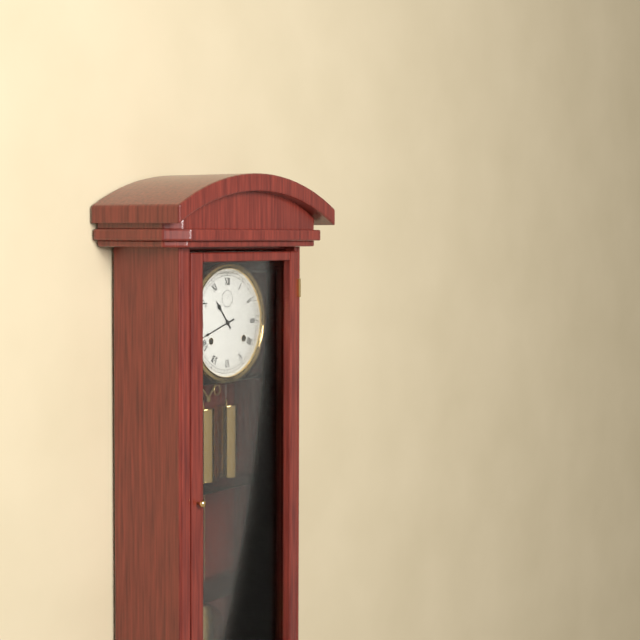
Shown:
10.42
